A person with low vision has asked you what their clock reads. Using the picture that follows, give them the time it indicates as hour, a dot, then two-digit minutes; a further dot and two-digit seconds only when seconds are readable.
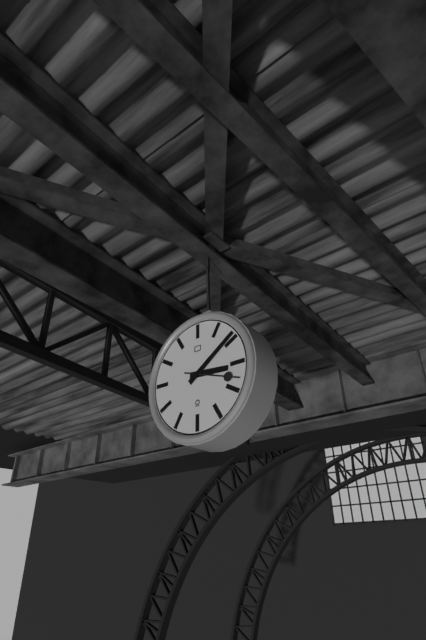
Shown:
3.09.18
